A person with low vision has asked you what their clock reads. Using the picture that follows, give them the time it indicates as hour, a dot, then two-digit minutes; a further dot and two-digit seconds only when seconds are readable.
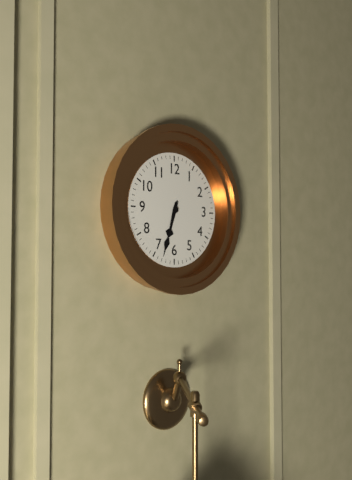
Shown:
6.33
